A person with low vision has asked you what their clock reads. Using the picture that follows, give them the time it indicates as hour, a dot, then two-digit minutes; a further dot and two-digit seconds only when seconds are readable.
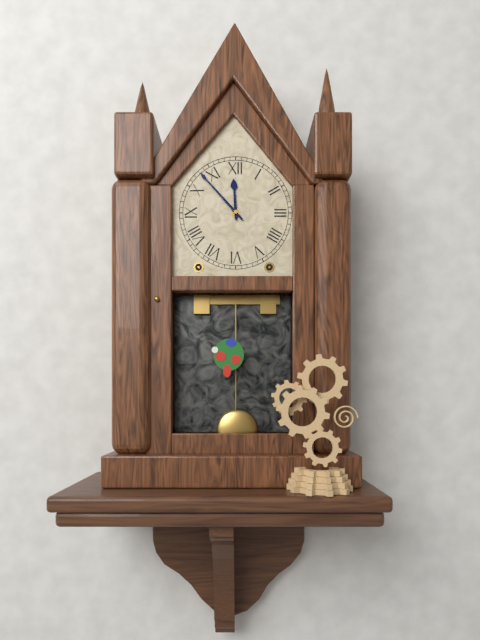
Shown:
11.53
